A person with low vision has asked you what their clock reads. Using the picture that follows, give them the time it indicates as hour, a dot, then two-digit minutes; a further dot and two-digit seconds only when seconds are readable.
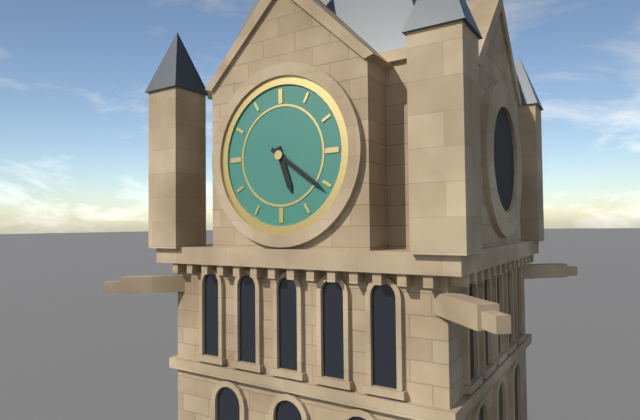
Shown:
5.21
